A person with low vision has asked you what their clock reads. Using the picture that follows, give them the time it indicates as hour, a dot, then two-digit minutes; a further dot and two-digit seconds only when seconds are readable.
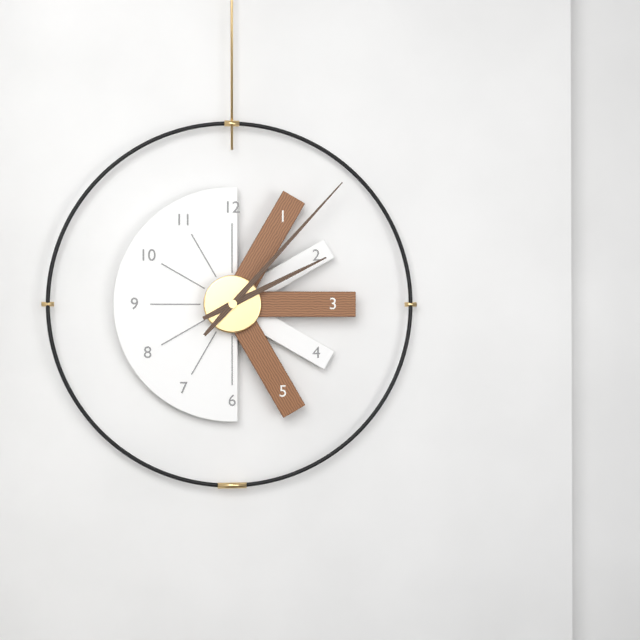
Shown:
2.07
